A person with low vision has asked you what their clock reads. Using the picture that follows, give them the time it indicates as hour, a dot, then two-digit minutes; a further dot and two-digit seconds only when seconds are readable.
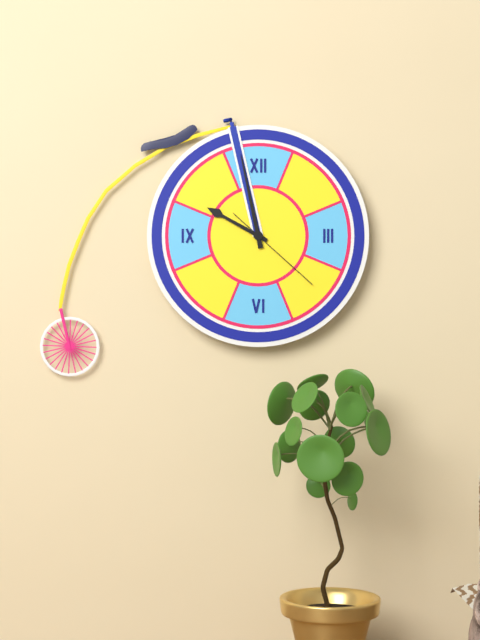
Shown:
9.58.22
